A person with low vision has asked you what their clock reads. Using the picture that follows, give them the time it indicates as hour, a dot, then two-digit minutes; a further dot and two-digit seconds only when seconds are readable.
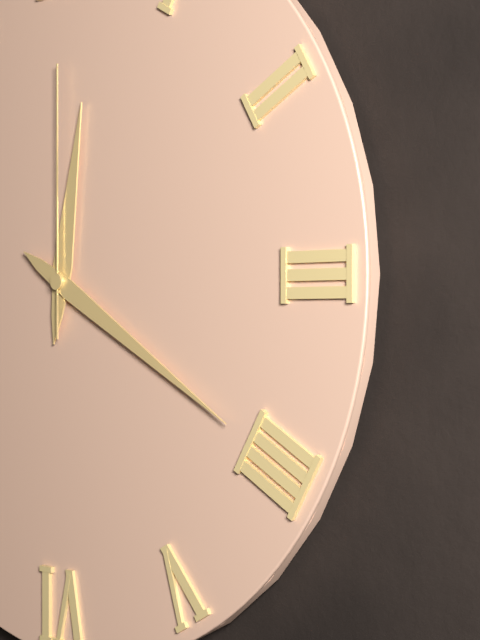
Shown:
12.20.00
